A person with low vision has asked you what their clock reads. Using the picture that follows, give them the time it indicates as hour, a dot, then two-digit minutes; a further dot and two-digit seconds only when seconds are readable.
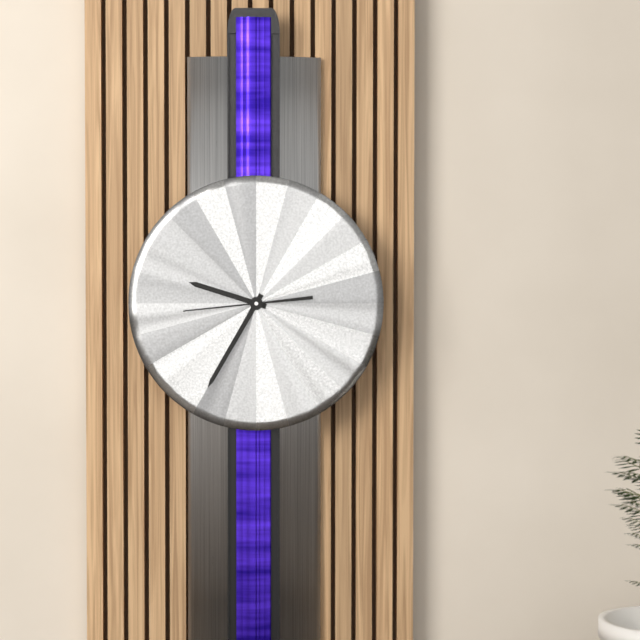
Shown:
9.35.44
